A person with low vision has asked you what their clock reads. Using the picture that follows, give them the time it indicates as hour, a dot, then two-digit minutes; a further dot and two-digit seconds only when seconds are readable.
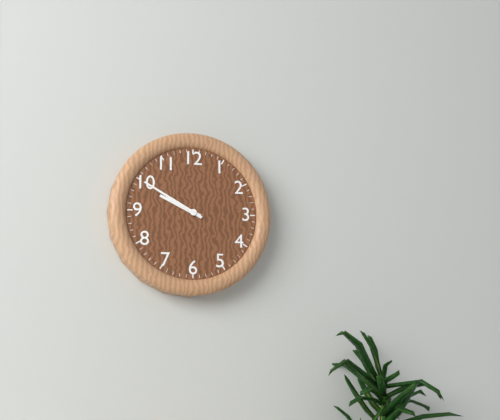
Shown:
9.50
